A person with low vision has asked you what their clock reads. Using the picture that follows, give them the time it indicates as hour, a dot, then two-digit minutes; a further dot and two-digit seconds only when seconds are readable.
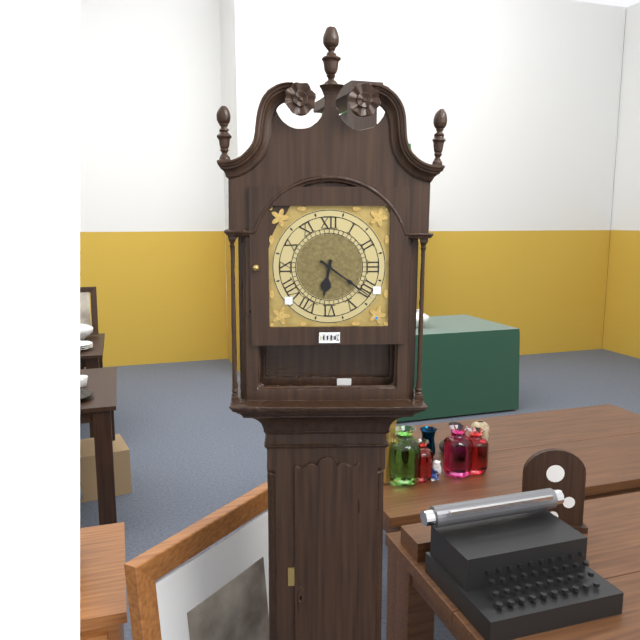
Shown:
6.21
